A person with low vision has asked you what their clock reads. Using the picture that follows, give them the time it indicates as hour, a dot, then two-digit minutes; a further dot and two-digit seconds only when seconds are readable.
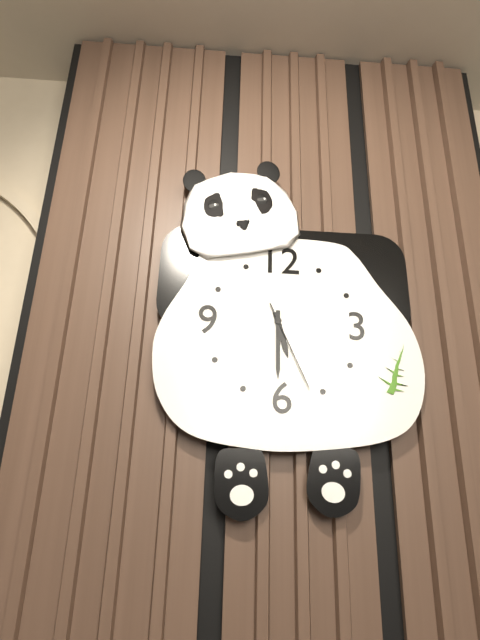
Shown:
5.30.26
